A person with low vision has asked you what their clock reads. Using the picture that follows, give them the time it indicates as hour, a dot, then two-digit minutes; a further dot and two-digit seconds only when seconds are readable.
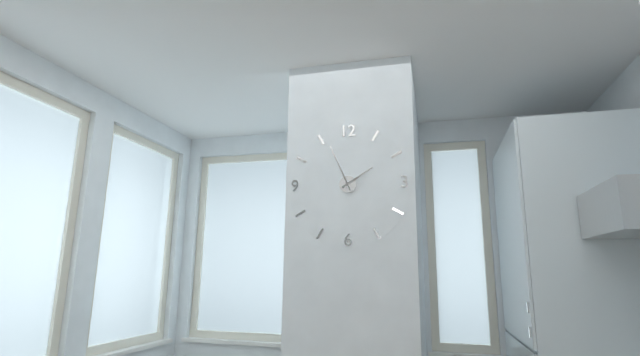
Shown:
1.56
